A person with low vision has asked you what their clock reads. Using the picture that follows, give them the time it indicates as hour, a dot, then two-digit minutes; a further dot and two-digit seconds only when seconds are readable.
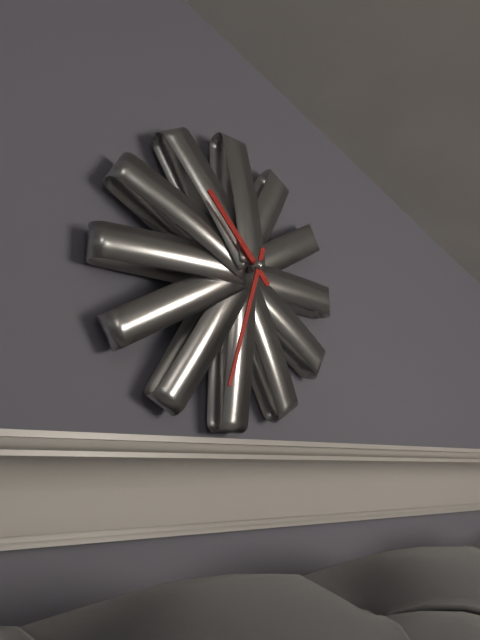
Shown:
10.33
